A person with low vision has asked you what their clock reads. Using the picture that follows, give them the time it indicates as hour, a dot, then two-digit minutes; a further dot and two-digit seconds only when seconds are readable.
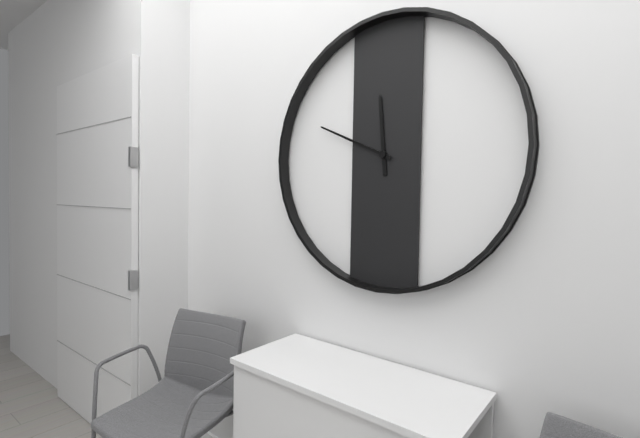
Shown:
11.49
